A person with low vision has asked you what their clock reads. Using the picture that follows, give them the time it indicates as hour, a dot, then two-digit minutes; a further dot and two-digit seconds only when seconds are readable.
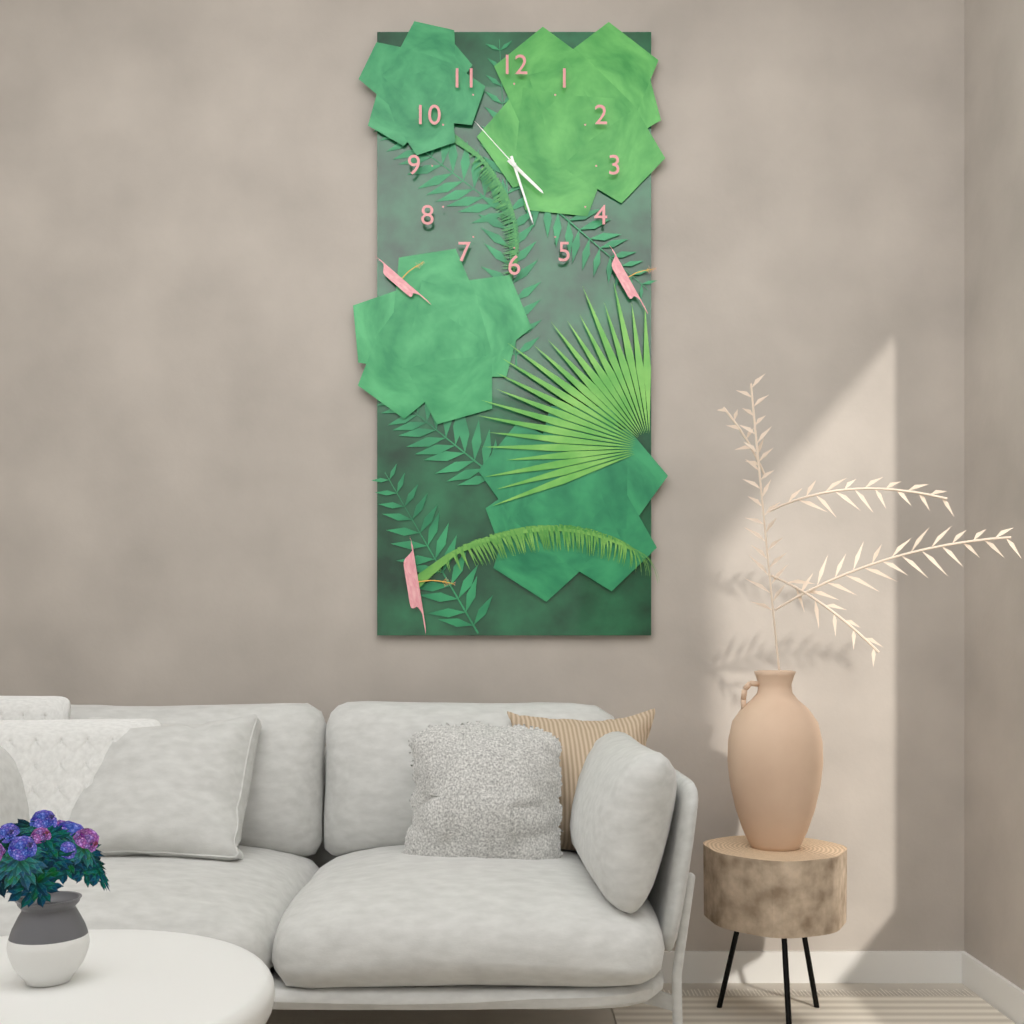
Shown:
4.27.53
